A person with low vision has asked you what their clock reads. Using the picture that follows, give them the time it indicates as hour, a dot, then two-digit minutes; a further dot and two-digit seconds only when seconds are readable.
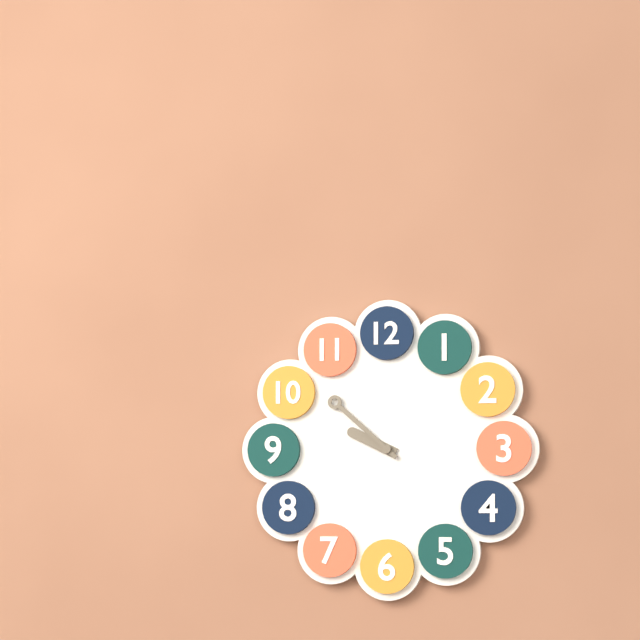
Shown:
9.52
